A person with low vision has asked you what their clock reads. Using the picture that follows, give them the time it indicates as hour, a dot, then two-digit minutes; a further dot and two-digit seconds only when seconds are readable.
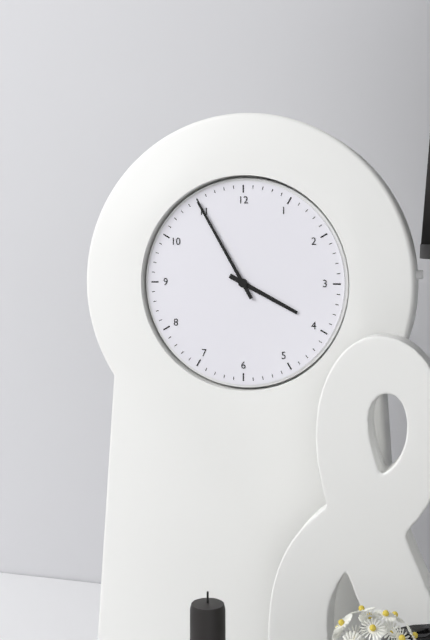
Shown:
3.55
